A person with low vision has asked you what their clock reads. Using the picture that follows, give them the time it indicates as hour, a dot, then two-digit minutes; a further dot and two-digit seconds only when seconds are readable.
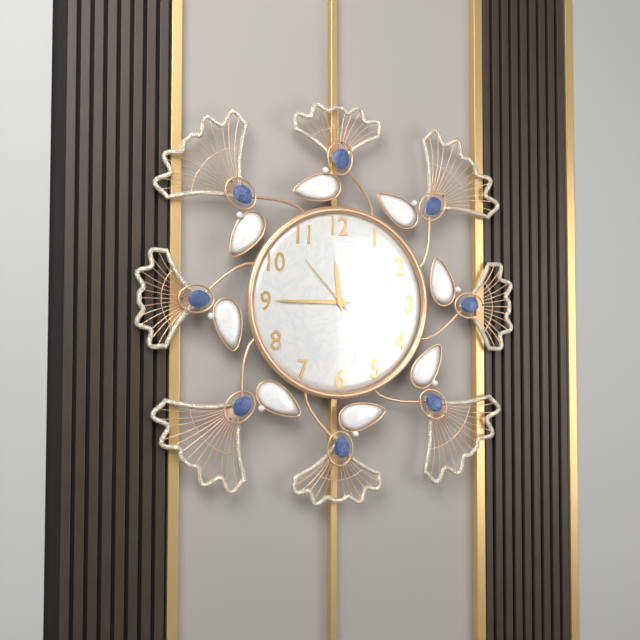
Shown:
11.45.53
